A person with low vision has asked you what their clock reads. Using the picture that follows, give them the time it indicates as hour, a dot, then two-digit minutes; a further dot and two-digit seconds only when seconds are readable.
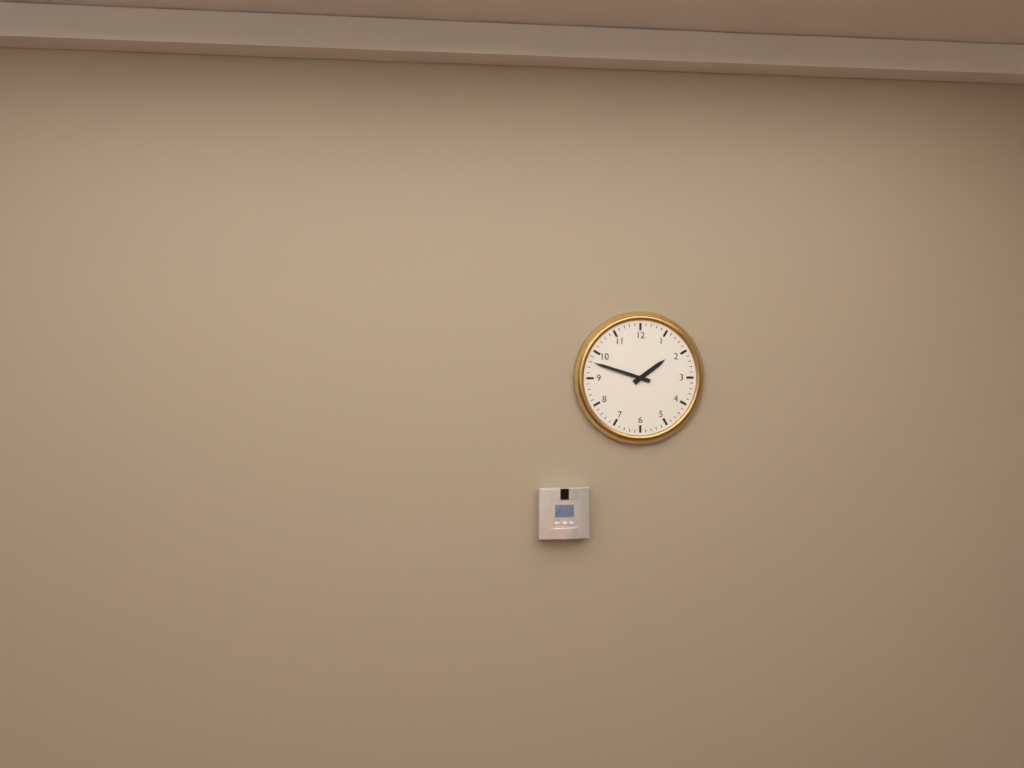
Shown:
1.48
